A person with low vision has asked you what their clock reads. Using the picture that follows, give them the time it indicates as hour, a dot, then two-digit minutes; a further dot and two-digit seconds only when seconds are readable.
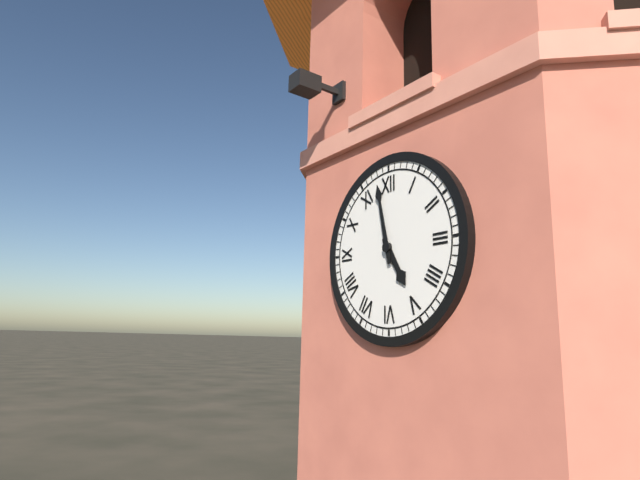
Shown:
4.58
